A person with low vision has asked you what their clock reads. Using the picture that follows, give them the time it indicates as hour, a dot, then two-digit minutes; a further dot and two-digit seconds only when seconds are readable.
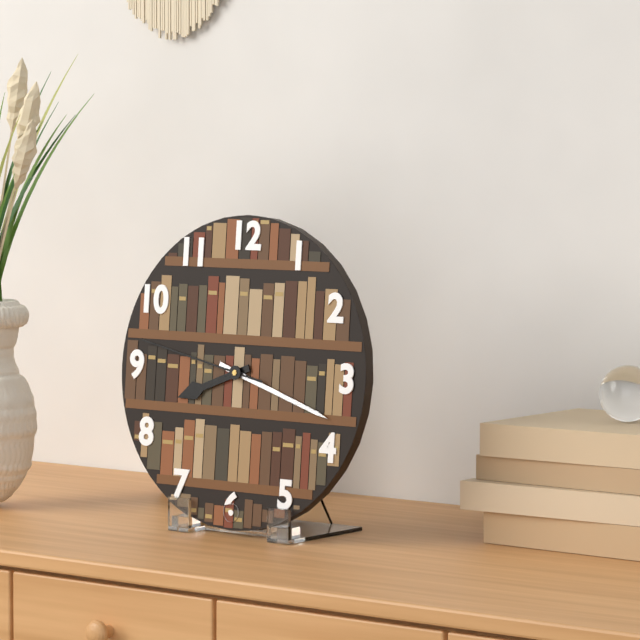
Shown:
8.18.47
